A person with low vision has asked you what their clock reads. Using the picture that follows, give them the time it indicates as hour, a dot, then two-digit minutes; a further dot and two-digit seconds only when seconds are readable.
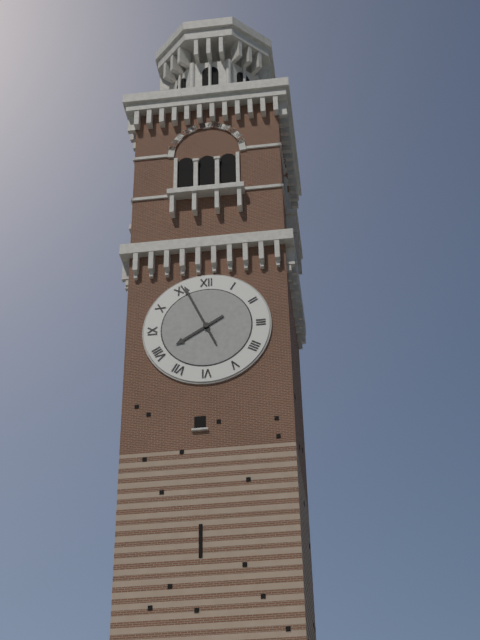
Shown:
7.56
